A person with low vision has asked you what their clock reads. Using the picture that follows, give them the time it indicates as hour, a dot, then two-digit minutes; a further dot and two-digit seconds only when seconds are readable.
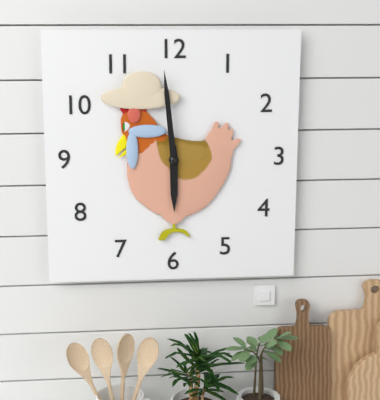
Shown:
5.59
